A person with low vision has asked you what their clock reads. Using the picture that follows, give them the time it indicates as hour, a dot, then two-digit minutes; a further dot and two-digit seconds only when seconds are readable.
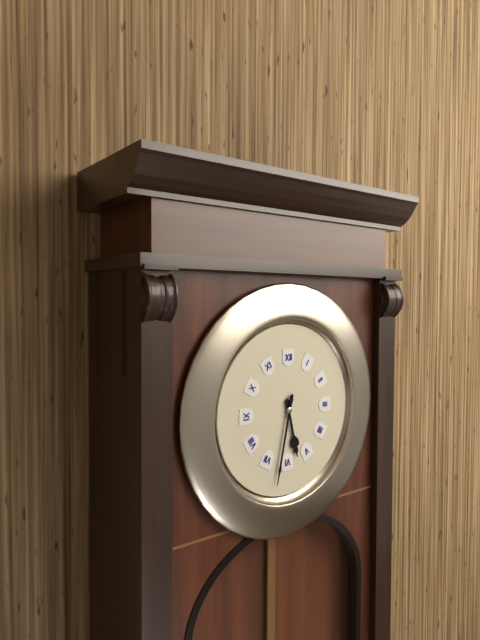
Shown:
5.32
